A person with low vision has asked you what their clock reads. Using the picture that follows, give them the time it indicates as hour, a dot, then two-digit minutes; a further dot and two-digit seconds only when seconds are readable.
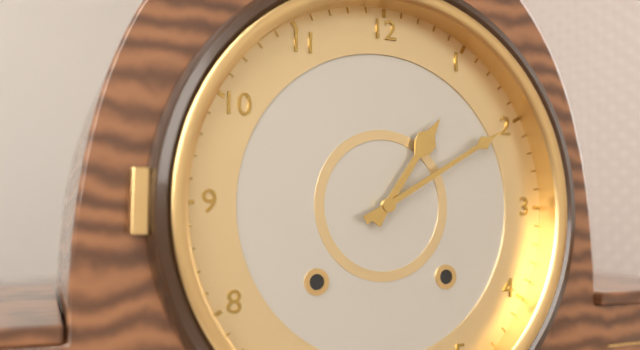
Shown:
1.10
